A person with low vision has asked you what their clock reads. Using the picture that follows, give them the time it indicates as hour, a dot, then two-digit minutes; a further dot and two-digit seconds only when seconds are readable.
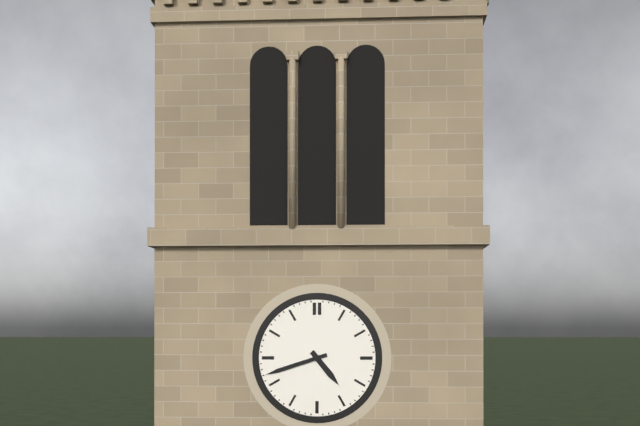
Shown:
4.42
